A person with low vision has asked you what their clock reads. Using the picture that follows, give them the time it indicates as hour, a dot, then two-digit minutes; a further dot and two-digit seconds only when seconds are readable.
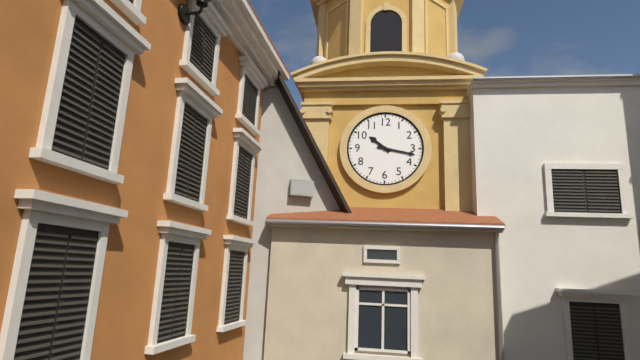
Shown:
10.17
